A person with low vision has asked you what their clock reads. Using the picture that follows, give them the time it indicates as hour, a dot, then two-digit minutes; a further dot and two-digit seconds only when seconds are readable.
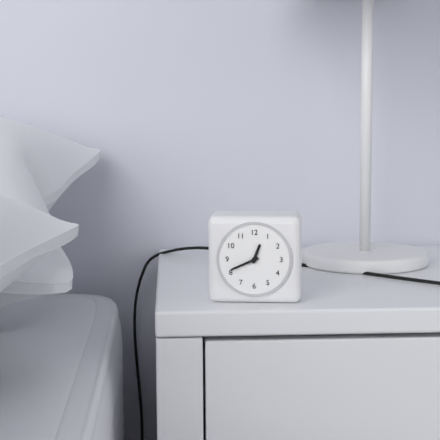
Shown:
12.41
